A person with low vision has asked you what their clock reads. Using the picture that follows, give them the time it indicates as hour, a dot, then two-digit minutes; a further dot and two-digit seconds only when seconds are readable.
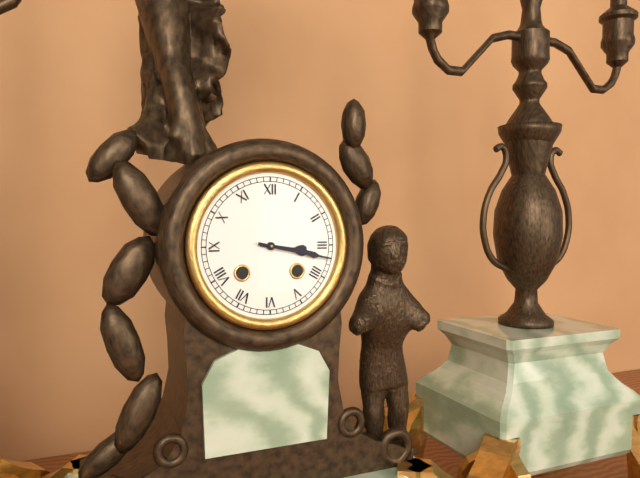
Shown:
3.17
